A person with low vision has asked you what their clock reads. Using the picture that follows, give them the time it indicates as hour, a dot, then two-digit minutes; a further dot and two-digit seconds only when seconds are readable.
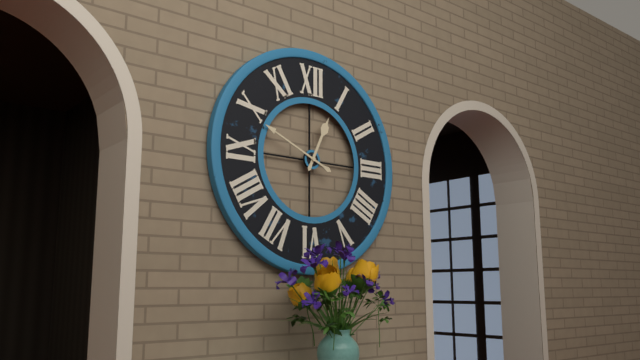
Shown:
12.49
